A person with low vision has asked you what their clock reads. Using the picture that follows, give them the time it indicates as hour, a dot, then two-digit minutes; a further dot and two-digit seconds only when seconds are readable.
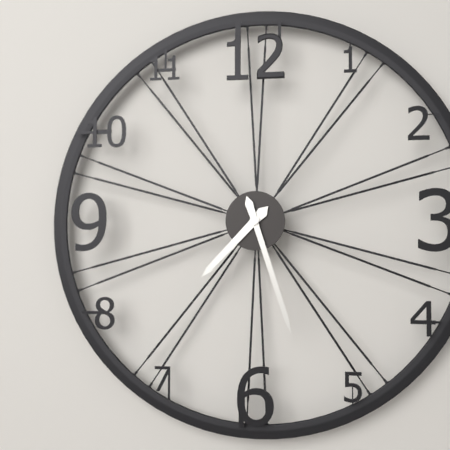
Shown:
7.27
